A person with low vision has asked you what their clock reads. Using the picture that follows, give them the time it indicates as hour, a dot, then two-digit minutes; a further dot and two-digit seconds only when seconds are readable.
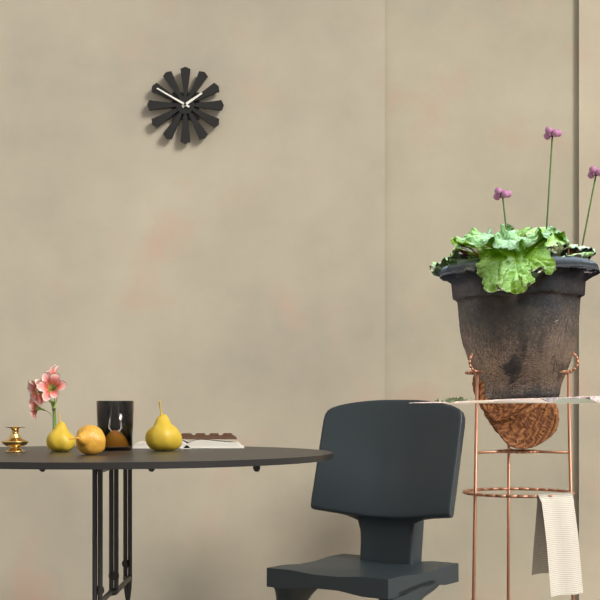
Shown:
1.50
